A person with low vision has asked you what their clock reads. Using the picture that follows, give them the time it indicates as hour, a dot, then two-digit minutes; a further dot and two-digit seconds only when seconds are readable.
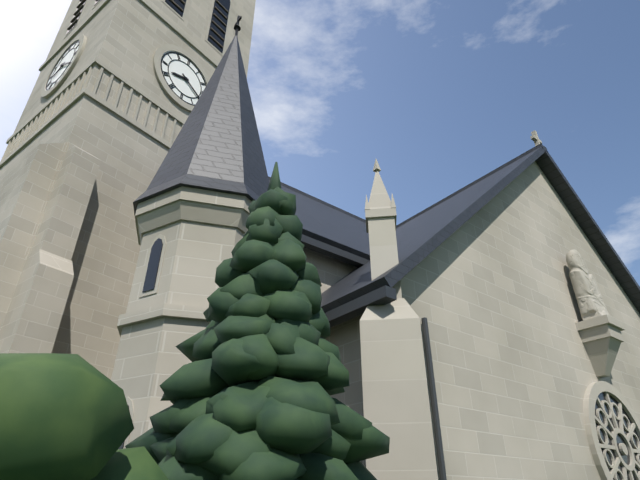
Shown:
8.20
